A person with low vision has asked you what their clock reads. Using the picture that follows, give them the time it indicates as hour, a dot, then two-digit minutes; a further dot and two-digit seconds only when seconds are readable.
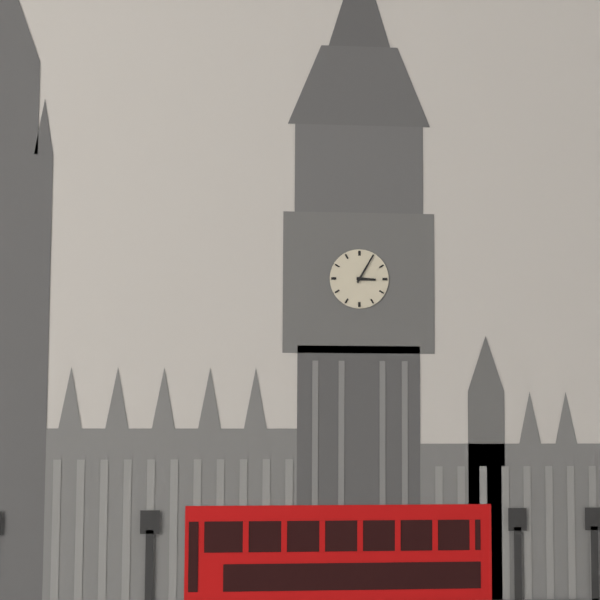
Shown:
3.05
